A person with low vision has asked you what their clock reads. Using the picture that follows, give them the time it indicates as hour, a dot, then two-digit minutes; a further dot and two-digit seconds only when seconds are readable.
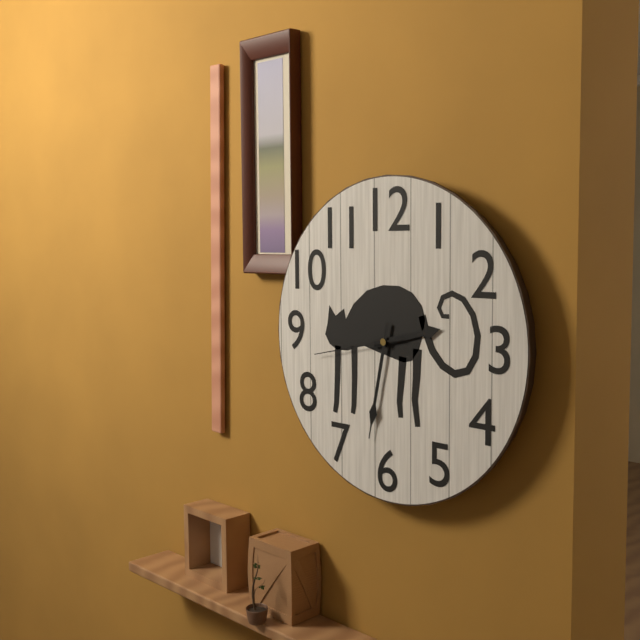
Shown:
2.32.43
